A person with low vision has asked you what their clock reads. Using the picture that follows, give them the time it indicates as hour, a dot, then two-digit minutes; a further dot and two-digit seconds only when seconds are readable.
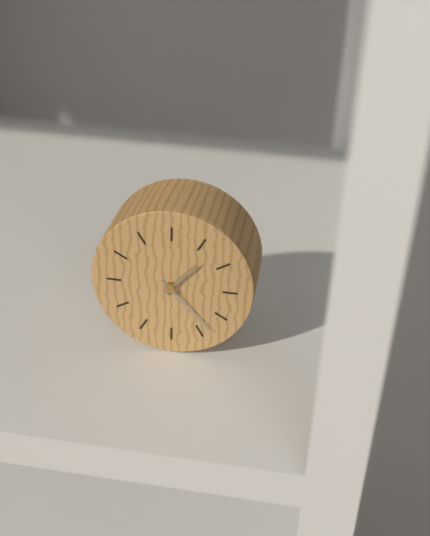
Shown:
1.23
